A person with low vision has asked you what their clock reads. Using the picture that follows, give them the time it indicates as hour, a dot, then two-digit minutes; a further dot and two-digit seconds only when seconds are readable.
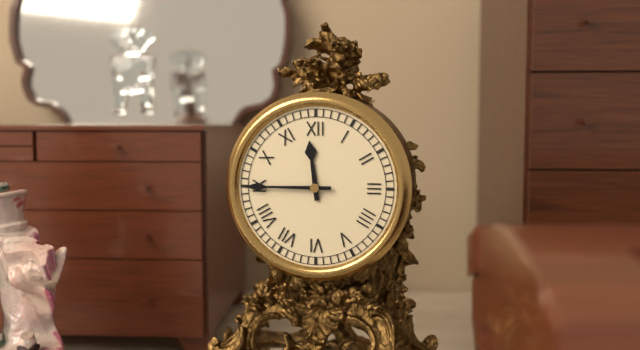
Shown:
11.45
